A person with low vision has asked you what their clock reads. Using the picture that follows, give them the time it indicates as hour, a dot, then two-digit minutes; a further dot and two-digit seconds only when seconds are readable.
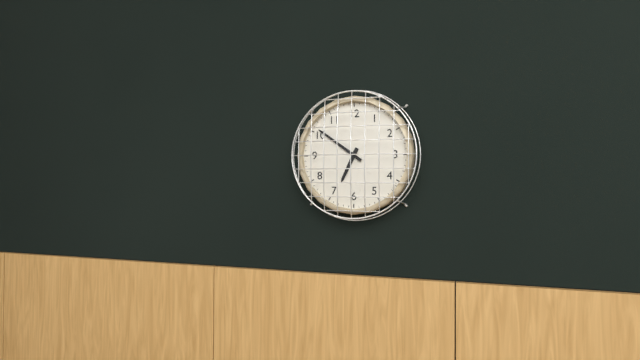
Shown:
6.51
